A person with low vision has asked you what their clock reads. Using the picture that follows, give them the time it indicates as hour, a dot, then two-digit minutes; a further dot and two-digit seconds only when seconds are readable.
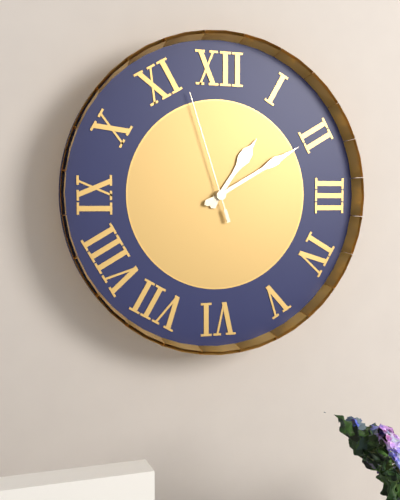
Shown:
1.10.57
